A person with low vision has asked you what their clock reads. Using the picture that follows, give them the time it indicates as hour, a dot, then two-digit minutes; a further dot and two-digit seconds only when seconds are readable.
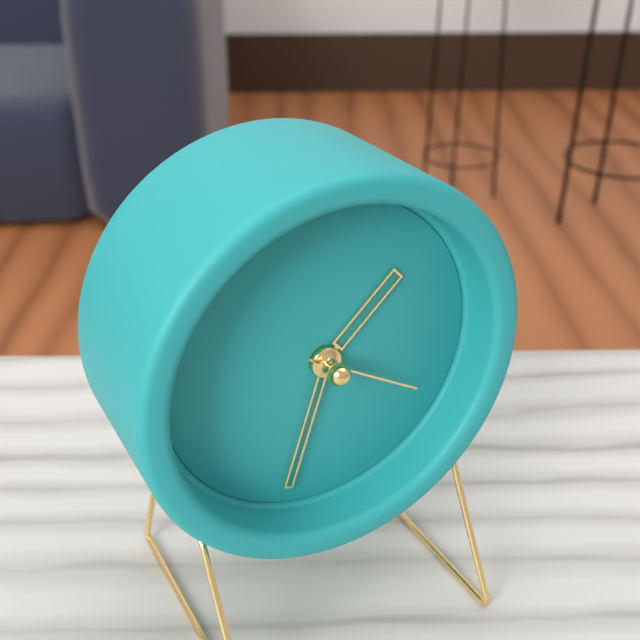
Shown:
1.33.20
